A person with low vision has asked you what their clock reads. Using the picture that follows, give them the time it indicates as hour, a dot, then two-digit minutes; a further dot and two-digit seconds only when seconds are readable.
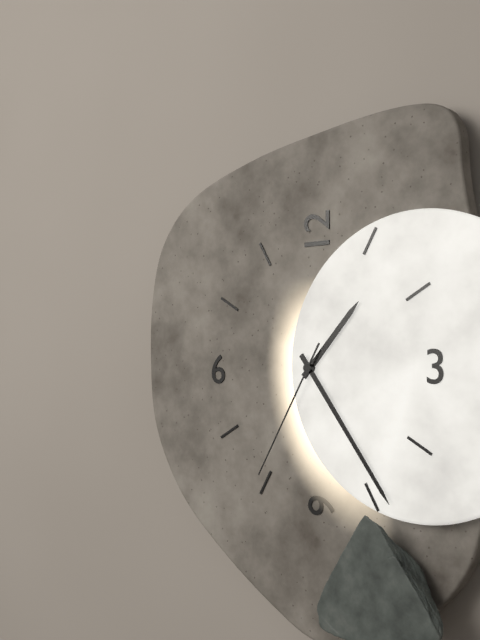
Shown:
1.24.35
